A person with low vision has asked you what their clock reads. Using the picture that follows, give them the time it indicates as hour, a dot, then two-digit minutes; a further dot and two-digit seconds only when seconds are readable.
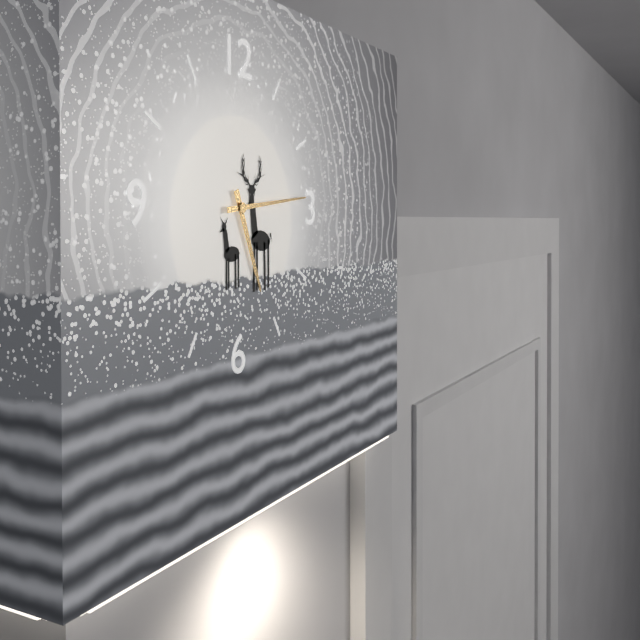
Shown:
5.14
